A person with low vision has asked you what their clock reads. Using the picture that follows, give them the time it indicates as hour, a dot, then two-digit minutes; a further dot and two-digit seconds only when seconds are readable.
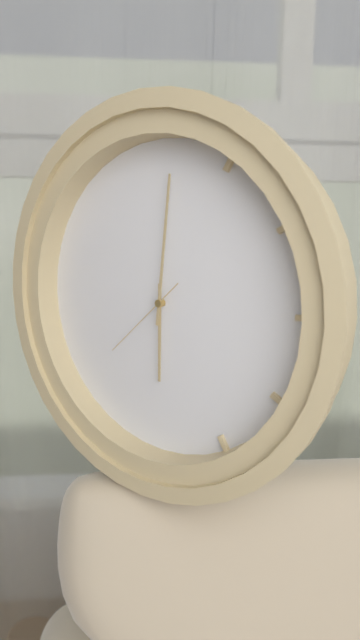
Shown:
6.01.38
